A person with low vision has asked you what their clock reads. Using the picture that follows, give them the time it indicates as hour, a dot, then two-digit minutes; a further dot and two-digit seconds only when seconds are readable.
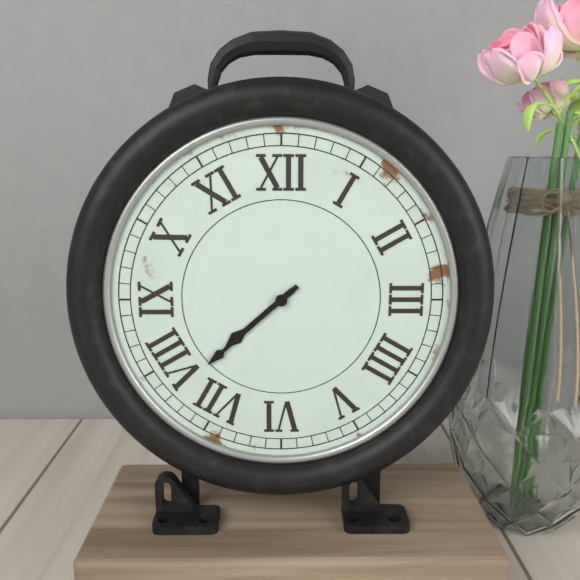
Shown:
7.38
